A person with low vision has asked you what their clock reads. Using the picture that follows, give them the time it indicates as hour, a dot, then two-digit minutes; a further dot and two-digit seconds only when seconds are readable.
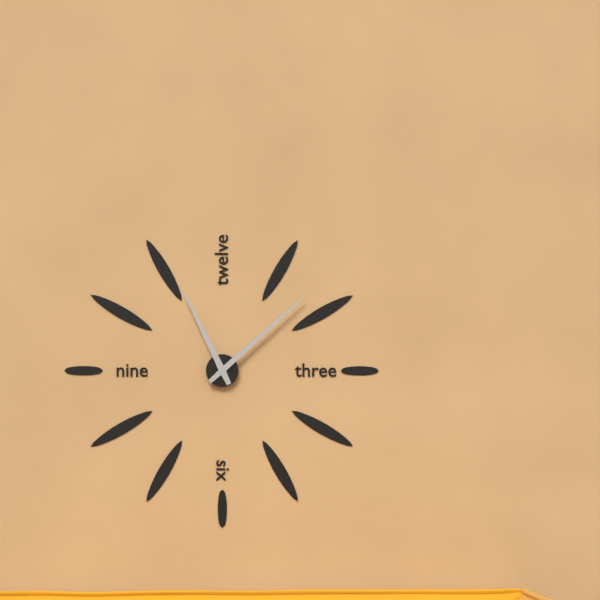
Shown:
11.08
